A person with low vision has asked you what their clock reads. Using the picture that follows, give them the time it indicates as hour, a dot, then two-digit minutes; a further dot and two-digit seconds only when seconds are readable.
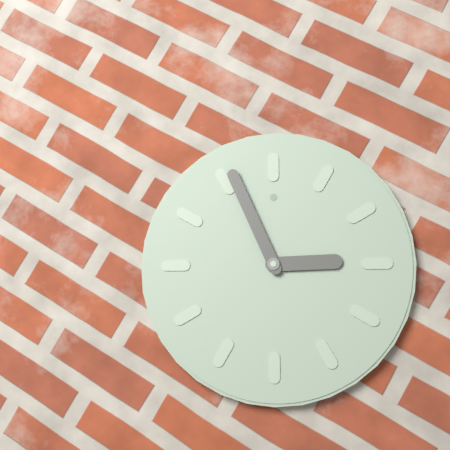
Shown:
2.56
